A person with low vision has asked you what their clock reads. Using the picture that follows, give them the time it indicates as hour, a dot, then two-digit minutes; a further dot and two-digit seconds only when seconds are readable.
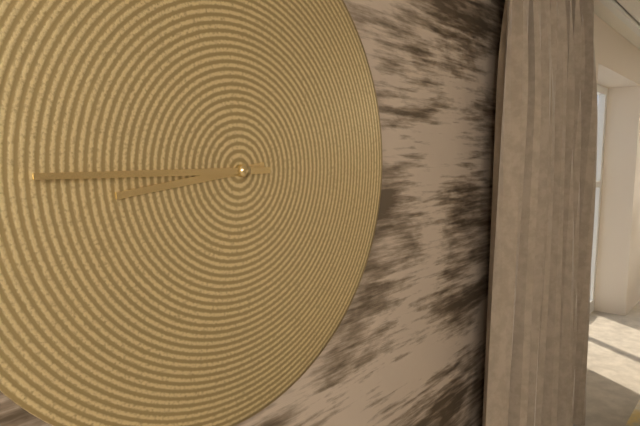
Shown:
8.45
